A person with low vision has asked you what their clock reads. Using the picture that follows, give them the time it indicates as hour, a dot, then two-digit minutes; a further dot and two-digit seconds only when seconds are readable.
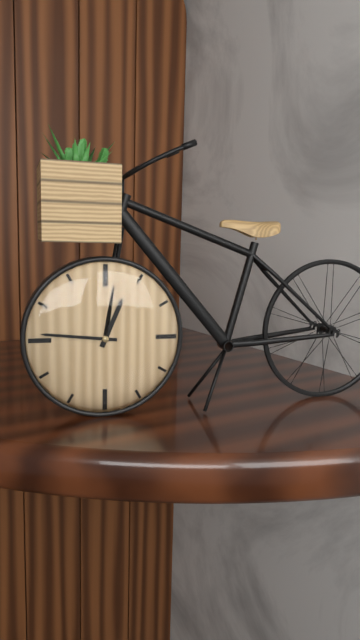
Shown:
12.46
